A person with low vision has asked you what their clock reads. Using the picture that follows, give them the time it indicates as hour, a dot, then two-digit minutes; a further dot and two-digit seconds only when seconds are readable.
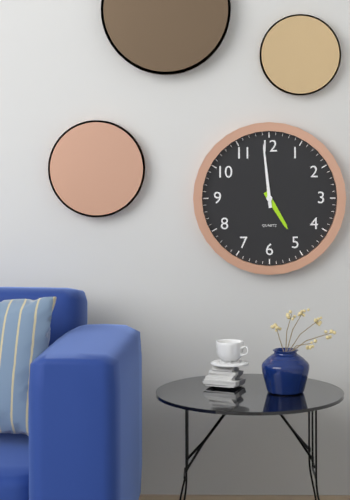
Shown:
4.59
